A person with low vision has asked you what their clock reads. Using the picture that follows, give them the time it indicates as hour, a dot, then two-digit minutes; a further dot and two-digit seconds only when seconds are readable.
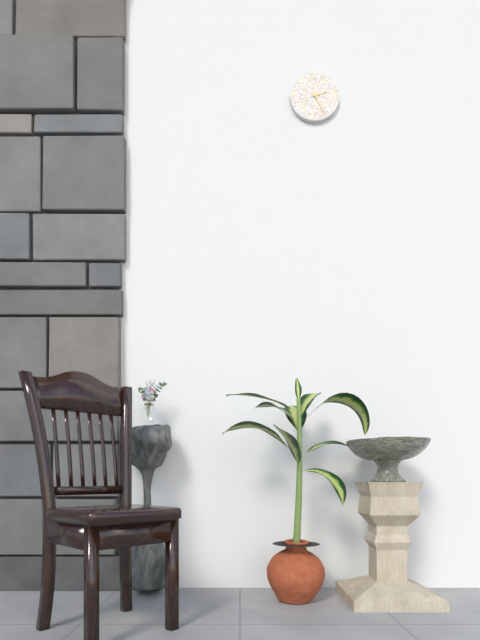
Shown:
2.25
